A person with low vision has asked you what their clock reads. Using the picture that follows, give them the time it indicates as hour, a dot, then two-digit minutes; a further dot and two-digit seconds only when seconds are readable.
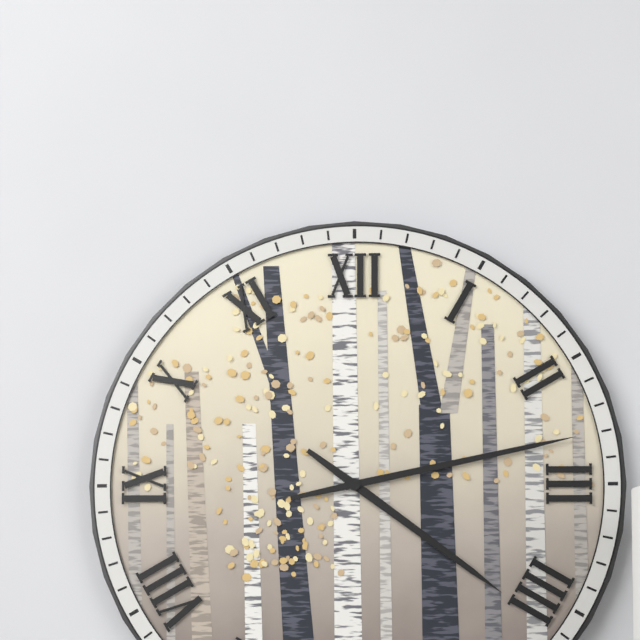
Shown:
4.13
